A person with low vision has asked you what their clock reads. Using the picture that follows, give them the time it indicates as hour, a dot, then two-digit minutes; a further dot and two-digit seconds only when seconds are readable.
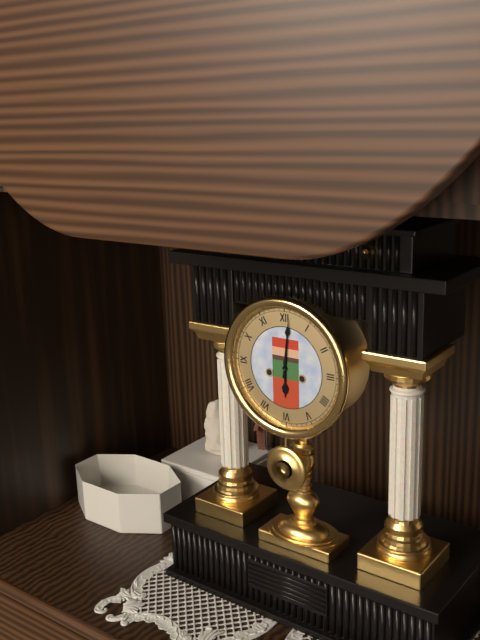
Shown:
6.01
